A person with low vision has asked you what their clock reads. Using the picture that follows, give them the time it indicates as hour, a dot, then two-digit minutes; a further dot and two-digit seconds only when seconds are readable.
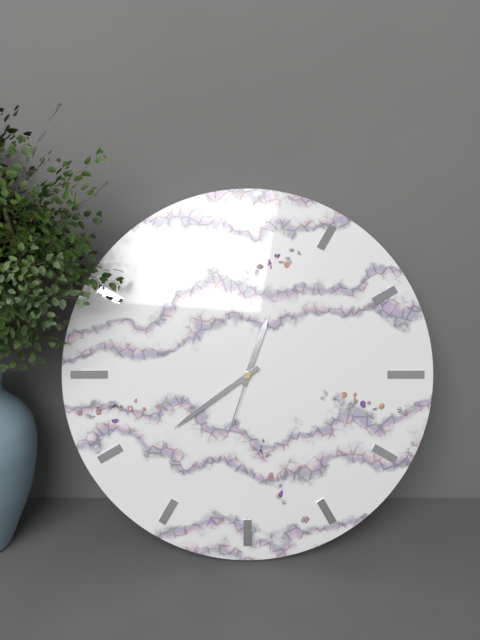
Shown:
12.39.33
